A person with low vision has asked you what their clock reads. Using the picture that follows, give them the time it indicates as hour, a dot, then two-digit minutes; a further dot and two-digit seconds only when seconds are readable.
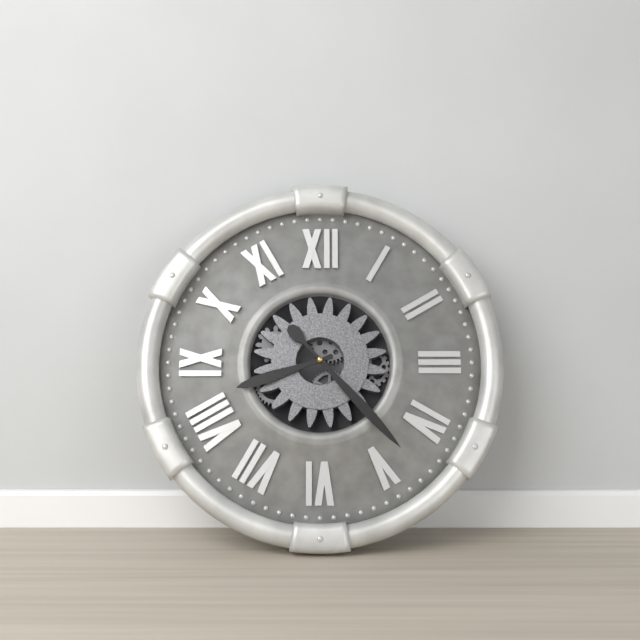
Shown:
8.23
